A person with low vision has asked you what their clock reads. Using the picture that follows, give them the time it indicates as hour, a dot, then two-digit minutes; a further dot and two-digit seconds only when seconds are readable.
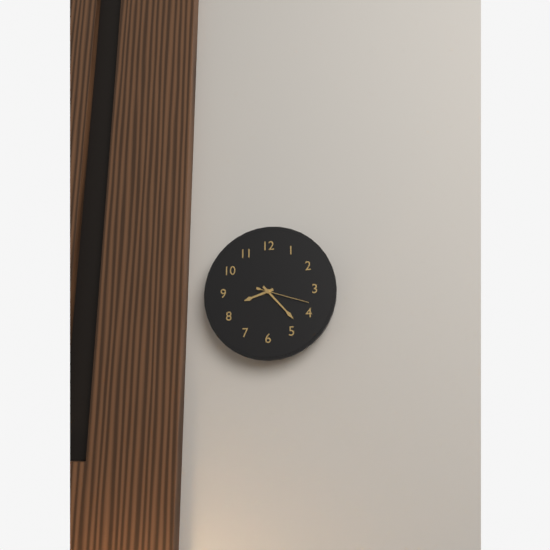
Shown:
8.23.18
